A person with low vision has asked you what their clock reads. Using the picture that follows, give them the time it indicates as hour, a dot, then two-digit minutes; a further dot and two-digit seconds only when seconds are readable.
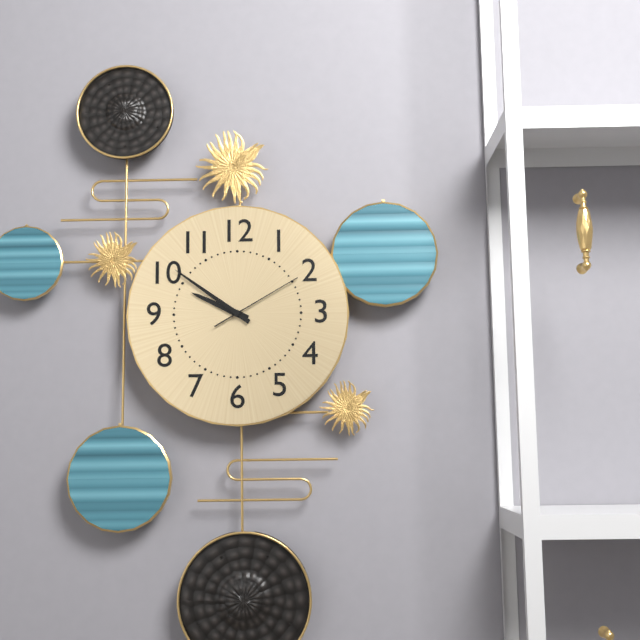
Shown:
9.51.10
